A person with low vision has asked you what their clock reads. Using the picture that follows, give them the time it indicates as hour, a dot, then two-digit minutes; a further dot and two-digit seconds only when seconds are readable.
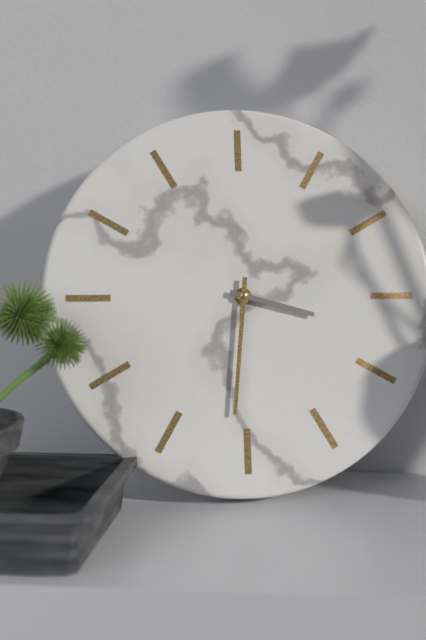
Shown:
3.31
